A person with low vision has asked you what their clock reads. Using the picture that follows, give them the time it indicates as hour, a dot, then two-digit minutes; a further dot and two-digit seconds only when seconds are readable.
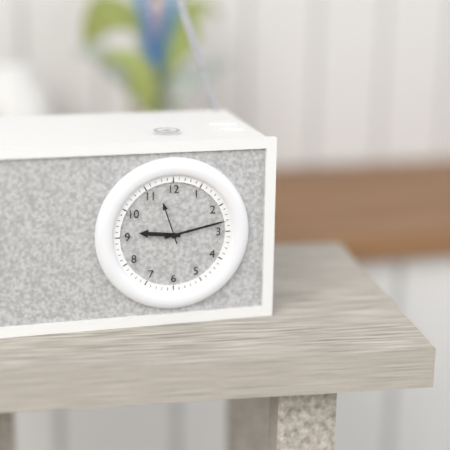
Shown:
9.13
